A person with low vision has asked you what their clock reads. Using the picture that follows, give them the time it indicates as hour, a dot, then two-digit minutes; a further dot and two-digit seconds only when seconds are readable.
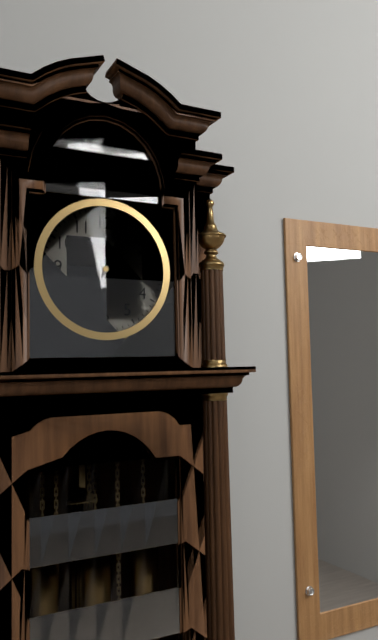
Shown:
8.04
